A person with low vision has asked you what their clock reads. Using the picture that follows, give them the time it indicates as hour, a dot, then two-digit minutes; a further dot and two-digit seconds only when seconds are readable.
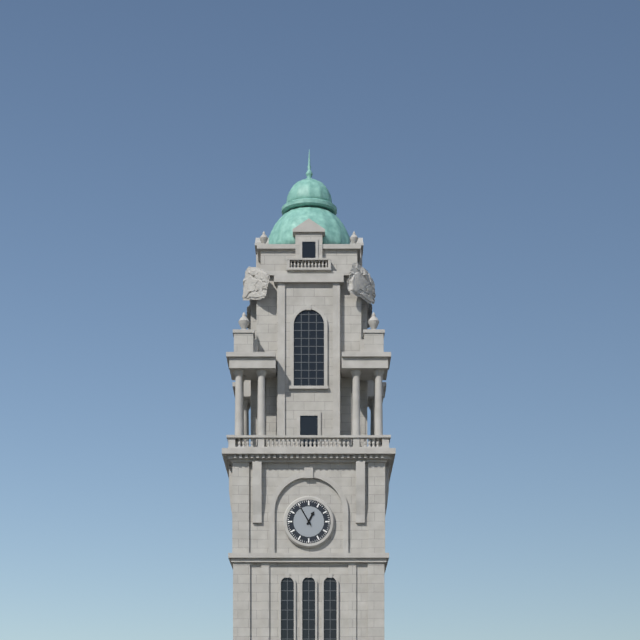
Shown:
12.55
